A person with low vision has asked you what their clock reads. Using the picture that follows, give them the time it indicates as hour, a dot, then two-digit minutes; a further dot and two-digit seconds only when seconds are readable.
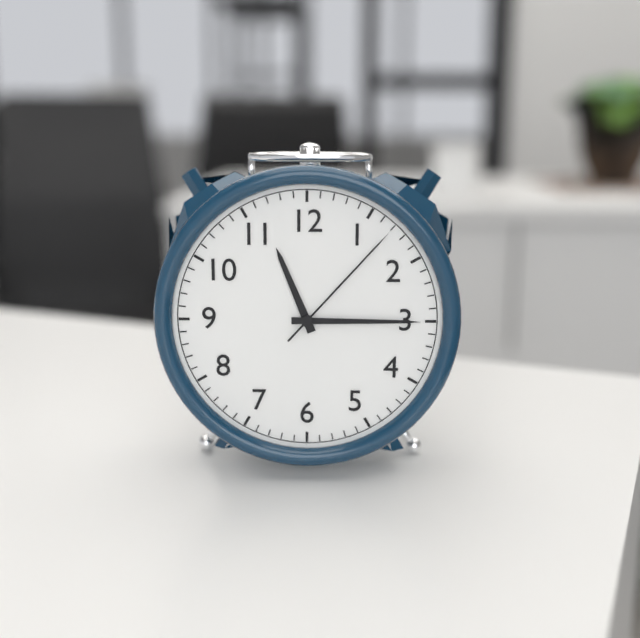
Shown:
11.15.07
